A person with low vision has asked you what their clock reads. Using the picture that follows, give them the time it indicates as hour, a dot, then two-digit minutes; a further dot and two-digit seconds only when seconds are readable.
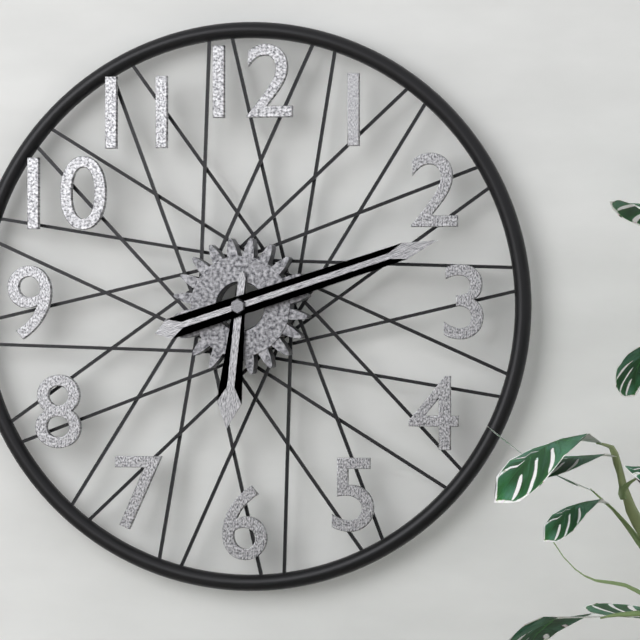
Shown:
6.12
